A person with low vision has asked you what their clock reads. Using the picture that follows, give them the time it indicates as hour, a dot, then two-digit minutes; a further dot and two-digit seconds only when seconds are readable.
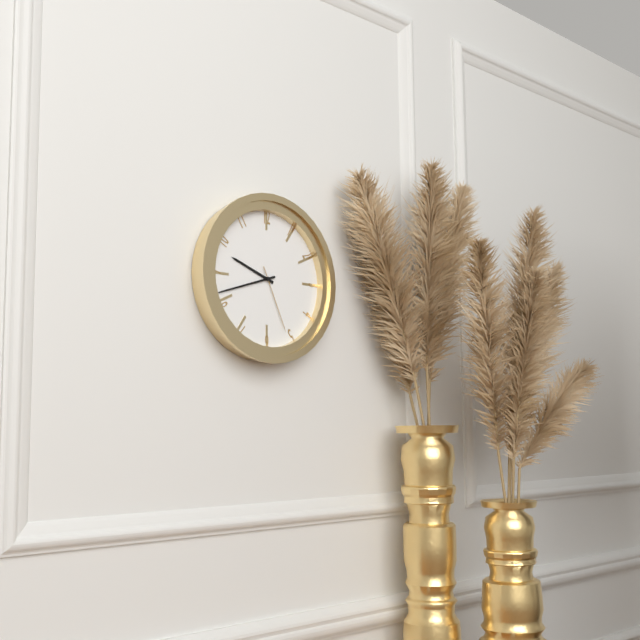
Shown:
9.42.26
